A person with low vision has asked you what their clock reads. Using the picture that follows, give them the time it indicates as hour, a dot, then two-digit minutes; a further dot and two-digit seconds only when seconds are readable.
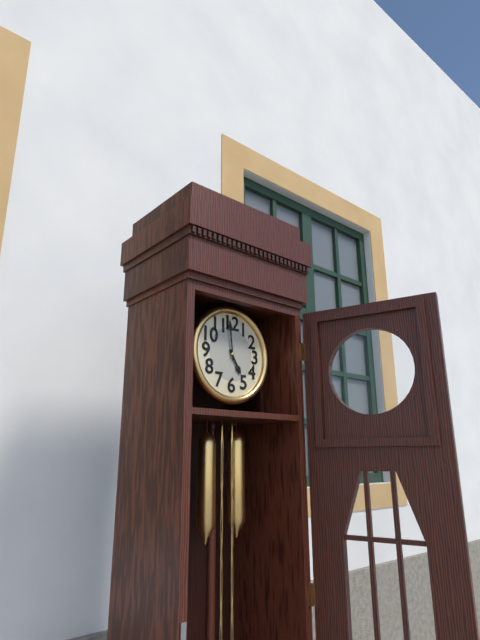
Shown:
4.59
